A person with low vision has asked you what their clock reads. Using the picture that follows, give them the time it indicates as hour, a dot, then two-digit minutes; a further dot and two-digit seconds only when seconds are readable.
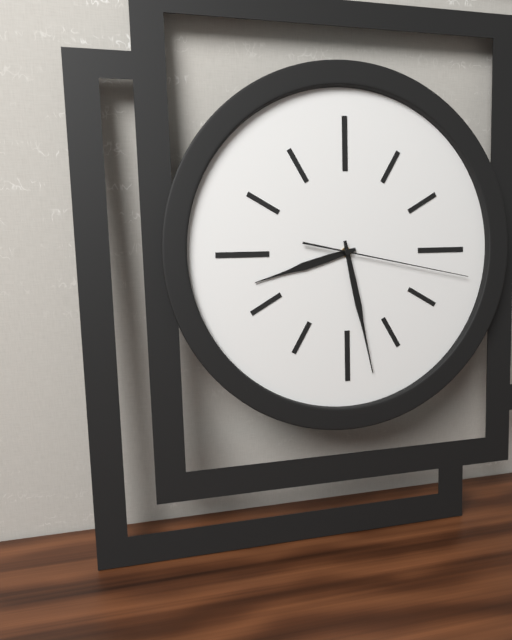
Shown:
8.28.17
